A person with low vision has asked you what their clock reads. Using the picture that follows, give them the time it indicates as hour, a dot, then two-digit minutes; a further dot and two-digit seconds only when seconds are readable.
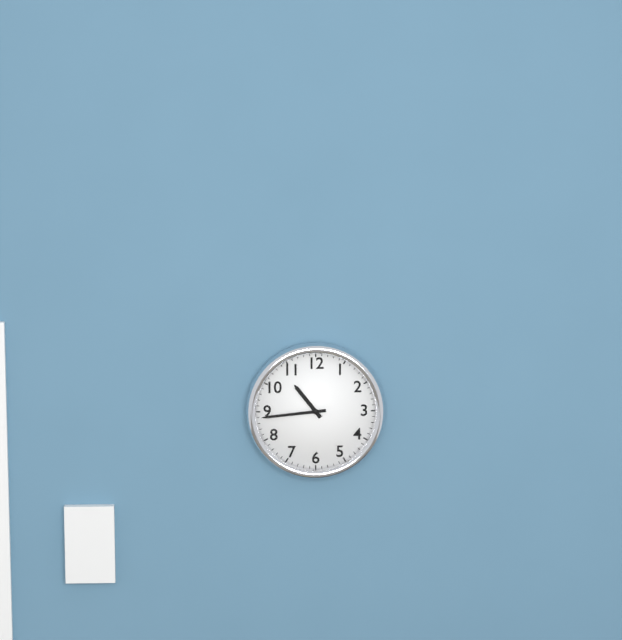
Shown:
10.44
